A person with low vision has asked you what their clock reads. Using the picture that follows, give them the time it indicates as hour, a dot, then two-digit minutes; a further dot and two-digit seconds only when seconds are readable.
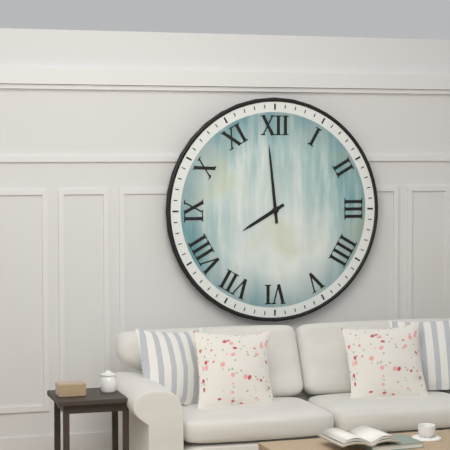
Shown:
7.59
